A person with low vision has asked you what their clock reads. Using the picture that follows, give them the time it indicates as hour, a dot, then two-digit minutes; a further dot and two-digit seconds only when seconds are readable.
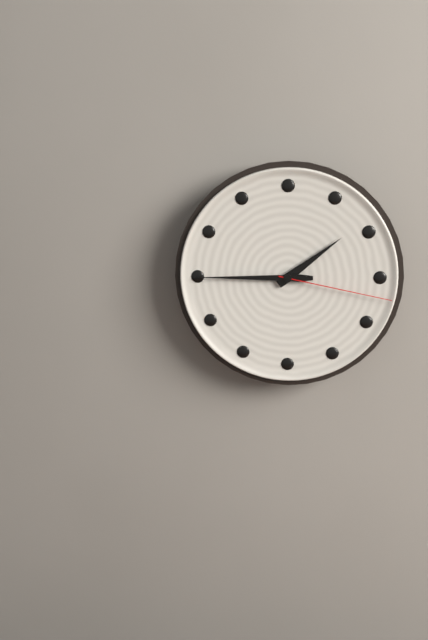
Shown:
1.45.17
